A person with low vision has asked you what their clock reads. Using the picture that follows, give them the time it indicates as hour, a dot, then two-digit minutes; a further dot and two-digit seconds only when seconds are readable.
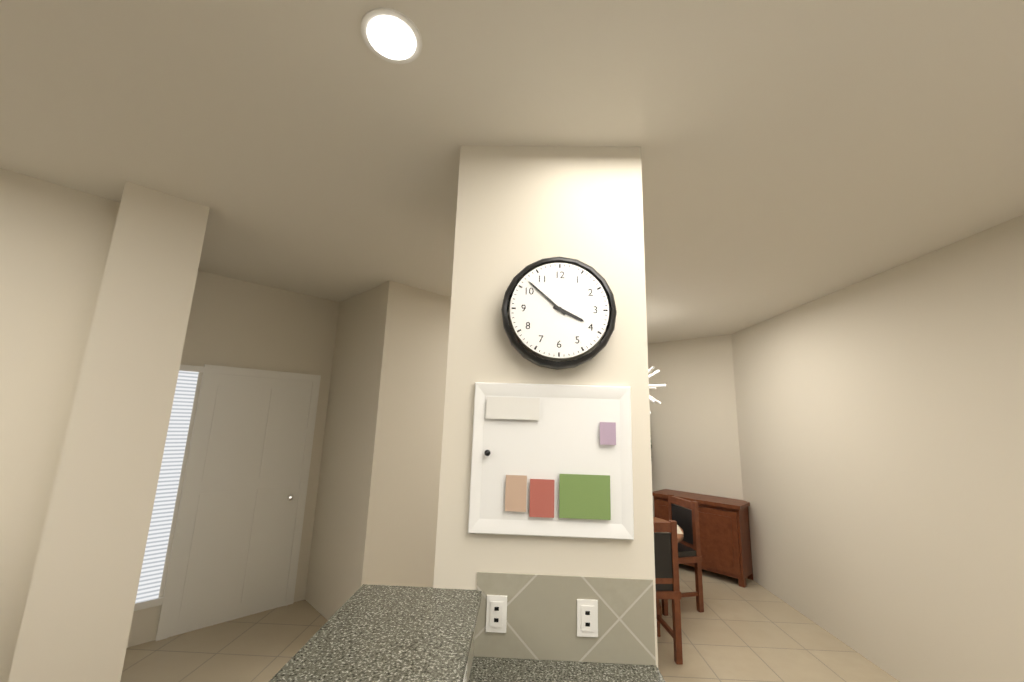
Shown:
3.52
